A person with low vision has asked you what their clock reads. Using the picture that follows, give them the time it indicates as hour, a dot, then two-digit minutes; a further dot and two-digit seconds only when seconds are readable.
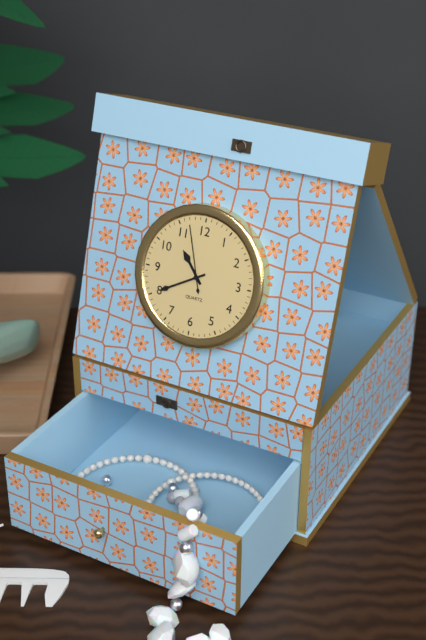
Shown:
10.40.57
